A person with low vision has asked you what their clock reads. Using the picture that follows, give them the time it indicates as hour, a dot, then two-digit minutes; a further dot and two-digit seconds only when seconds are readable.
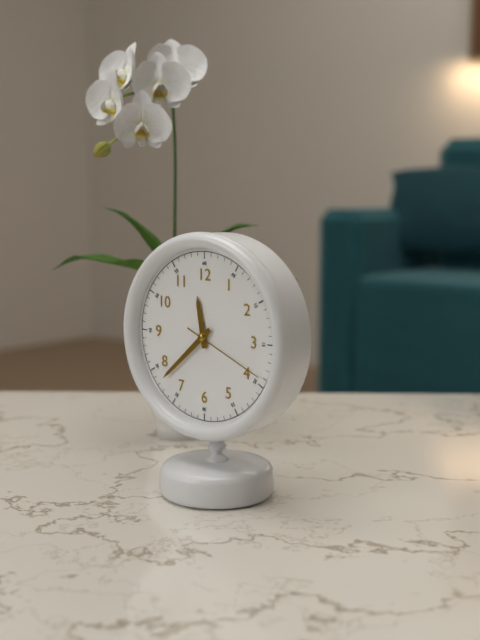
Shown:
11.38.19
